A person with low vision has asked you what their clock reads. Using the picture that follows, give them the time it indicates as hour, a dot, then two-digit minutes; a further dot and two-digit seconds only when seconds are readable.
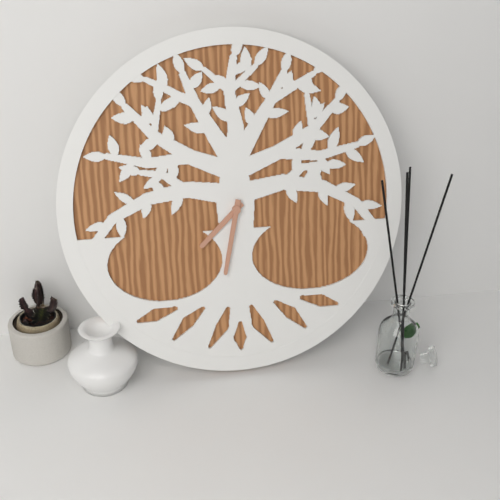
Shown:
7.32
